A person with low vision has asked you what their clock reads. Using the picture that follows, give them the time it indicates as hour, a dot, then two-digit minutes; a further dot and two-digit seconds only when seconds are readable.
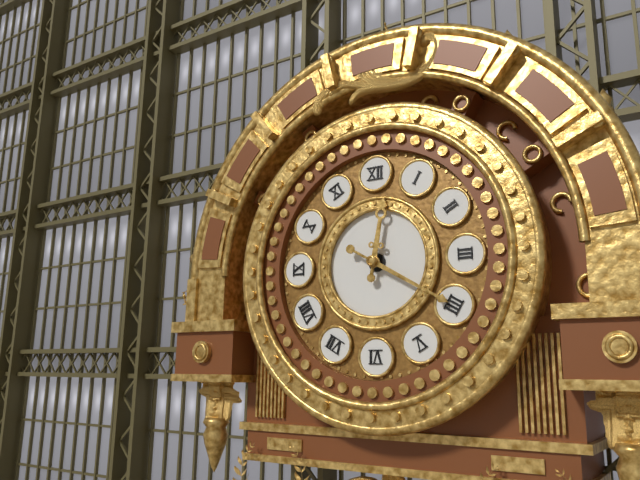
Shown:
12.20
